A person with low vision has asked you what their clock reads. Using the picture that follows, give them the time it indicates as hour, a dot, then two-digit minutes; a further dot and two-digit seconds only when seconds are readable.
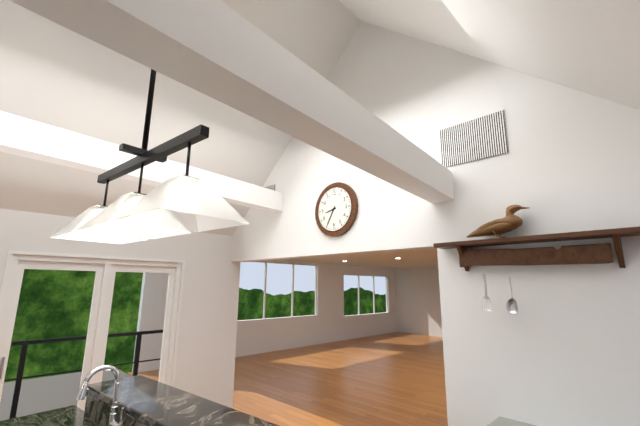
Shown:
8.35
